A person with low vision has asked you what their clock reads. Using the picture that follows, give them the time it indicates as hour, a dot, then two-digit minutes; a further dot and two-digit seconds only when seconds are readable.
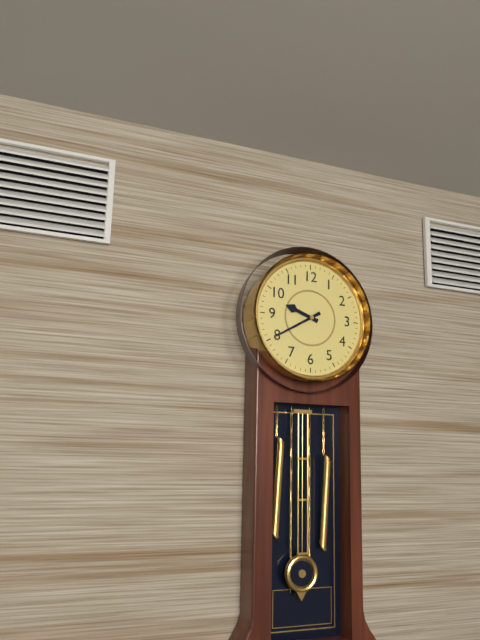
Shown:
9.40
